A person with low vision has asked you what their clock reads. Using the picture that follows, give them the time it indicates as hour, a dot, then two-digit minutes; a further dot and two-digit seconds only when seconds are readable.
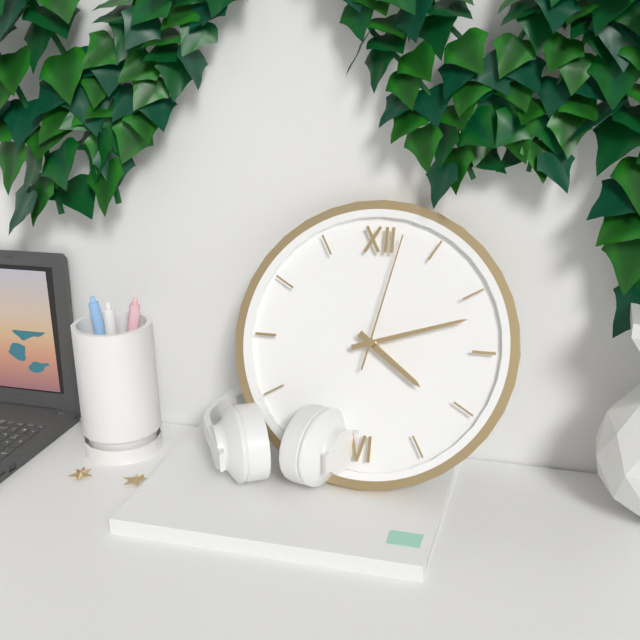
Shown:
4.12.02
